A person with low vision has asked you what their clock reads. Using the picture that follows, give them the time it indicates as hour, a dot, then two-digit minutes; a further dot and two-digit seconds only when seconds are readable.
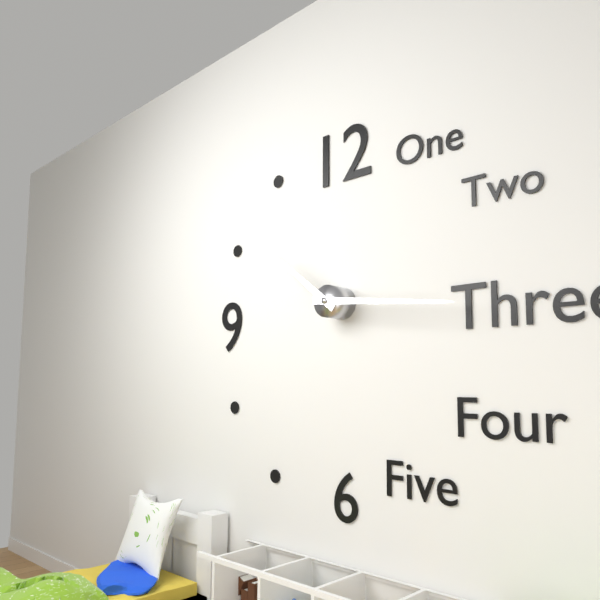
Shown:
10.16
